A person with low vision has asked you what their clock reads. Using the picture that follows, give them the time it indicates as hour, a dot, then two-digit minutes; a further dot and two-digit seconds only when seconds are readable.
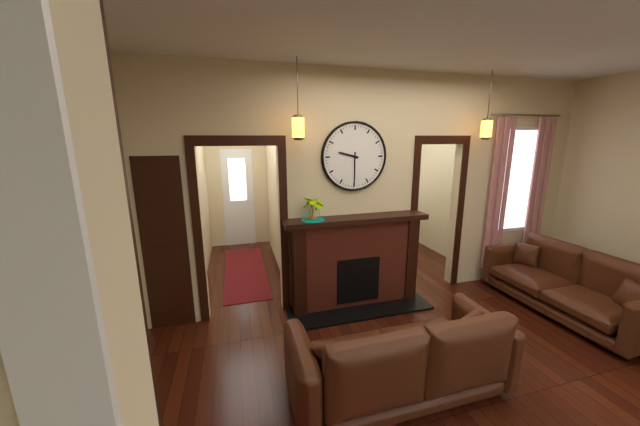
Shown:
9.30
